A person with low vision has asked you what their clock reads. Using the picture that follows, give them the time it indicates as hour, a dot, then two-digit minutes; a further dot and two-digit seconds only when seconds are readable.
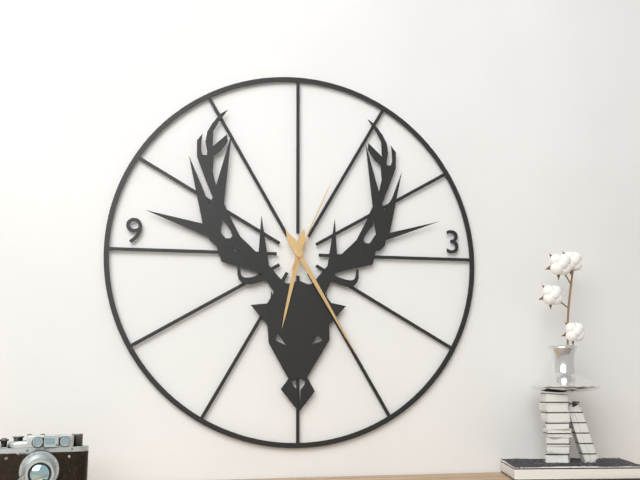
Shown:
6.25.04
